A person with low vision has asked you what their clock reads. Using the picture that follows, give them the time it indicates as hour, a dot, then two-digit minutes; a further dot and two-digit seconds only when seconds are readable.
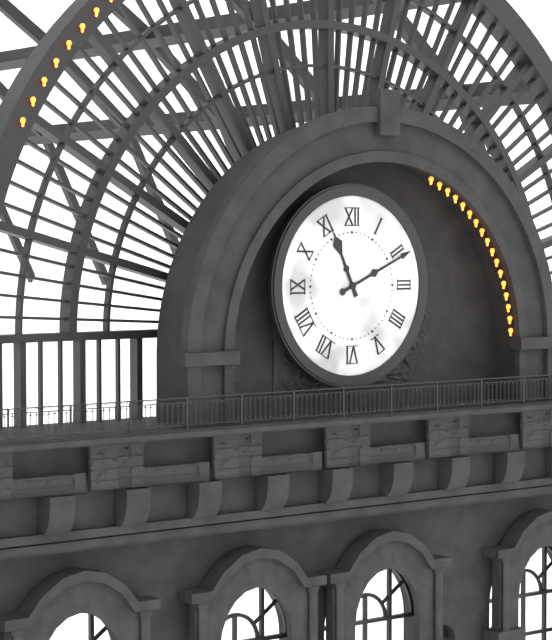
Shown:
11.11
